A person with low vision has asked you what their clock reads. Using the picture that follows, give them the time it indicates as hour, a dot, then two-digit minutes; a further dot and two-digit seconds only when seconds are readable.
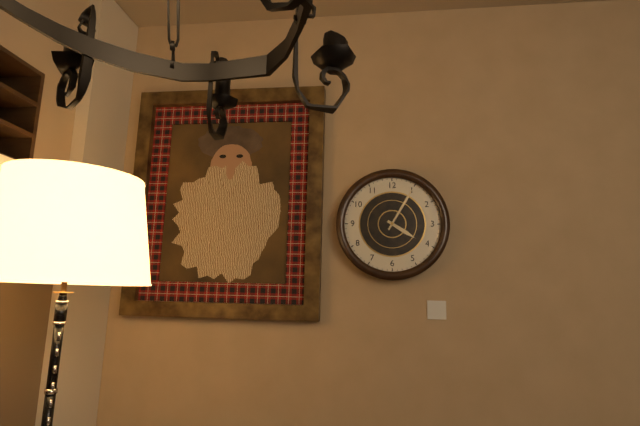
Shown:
4.05
